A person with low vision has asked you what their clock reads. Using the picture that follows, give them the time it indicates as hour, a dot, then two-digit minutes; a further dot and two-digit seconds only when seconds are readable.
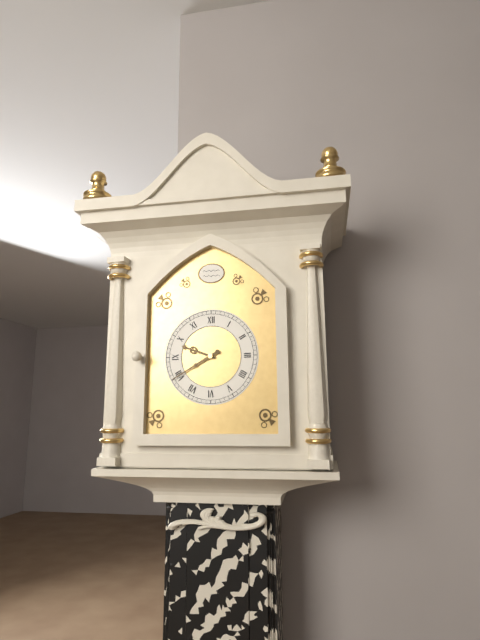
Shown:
9.40
